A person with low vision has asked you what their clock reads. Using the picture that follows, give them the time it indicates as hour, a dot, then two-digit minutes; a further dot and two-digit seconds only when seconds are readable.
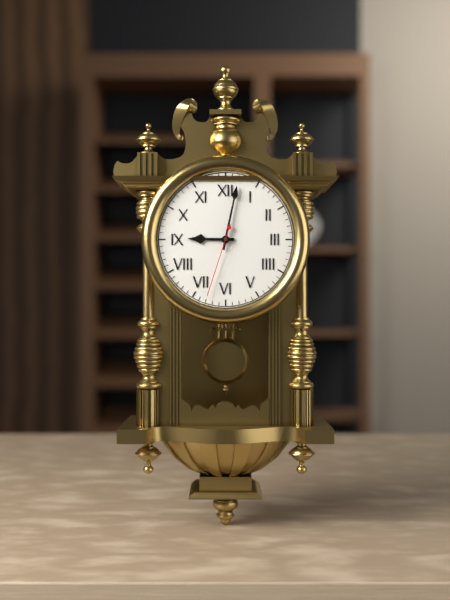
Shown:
9.02.33
